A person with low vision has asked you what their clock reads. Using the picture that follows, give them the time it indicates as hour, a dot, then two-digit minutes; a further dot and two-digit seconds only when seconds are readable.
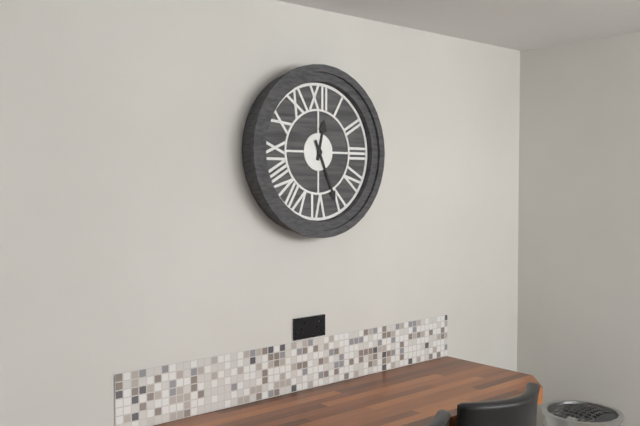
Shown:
12.26
